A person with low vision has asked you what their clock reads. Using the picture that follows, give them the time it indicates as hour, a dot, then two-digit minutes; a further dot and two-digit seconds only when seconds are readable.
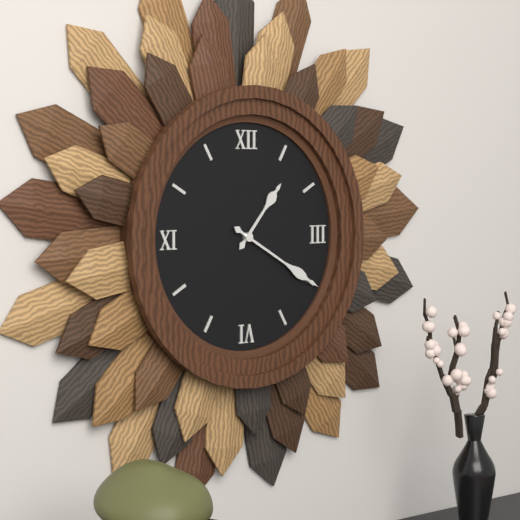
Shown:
1.20
